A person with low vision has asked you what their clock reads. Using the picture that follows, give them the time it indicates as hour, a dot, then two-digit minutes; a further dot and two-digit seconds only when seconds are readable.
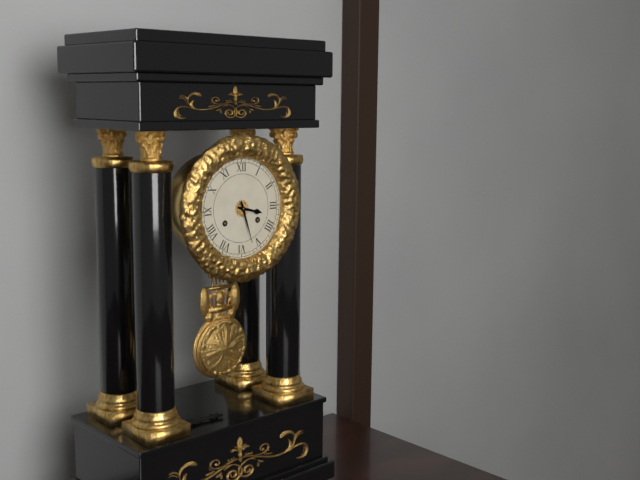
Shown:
3.27
